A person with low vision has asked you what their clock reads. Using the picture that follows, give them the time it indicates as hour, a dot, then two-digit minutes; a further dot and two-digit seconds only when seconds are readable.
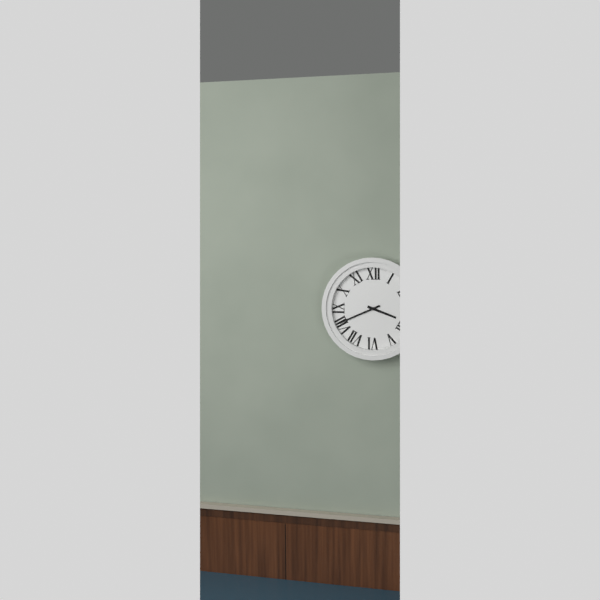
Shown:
3.41
